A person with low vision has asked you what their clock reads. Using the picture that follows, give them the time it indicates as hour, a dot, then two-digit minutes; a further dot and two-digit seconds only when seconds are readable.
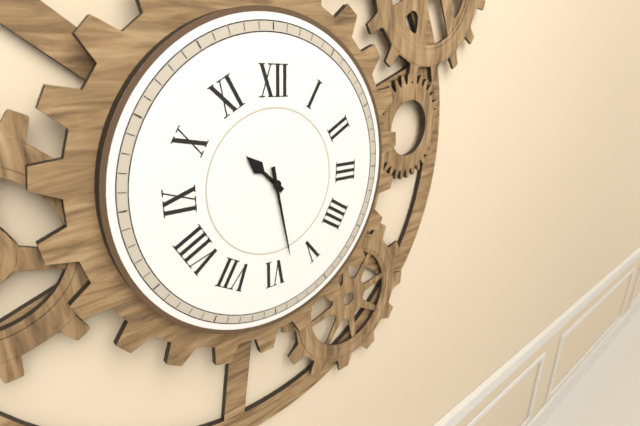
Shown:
10.28
